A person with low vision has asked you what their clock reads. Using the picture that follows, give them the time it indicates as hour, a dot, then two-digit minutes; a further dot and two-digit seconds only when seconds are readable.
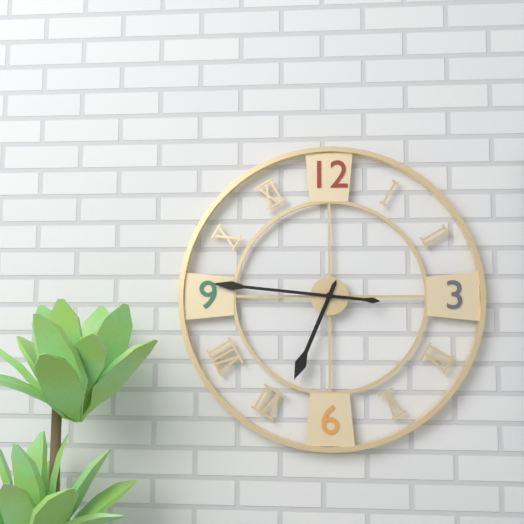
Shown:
6.46
